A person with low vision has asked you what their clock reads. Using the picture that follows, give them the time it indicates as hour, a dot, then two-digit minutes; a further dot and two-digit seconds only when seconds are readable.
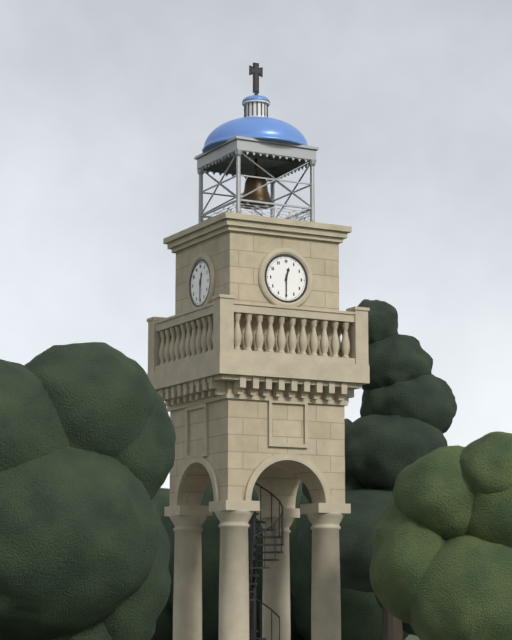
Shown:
12.30
